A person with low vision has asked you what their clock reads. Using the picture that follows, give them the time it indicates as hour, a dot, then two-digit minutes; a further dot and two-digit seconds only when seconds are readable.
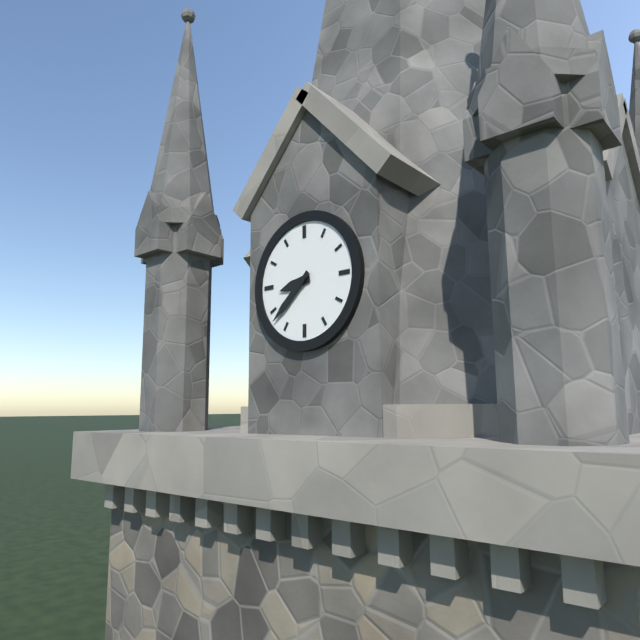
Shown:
8.38
